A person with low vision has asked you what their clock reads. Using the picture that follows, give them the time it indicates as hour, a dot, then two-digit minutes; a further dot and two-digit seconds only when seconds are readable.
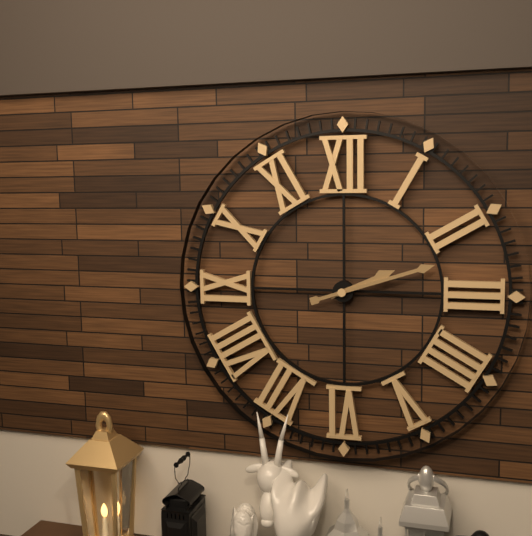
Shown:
2.12
